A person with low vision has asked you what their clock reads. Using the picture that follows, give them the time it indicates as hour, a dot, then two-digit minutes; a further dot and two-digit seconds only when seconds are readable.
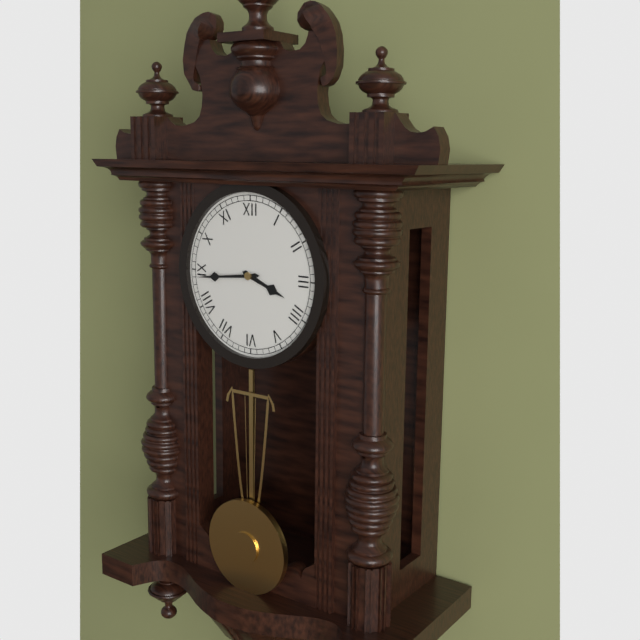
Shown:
3.44
